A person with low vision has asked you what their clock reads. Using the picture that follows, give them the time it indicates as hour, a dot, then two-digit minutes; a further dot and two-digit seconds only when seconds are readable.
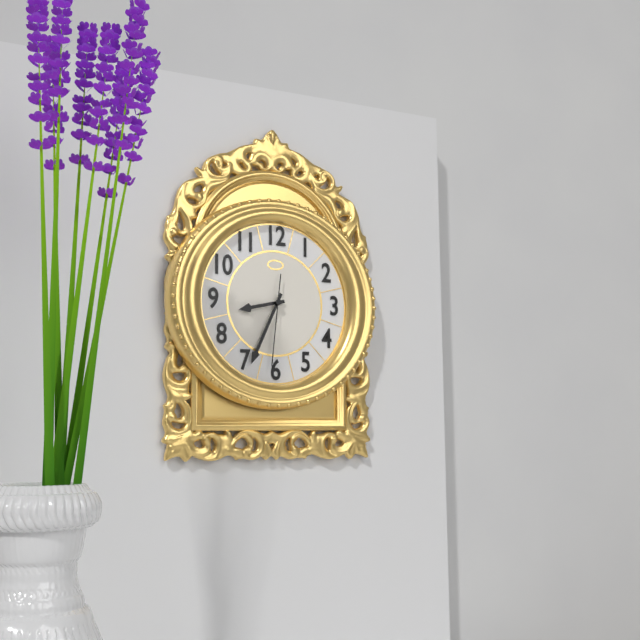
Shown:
8.34.31
